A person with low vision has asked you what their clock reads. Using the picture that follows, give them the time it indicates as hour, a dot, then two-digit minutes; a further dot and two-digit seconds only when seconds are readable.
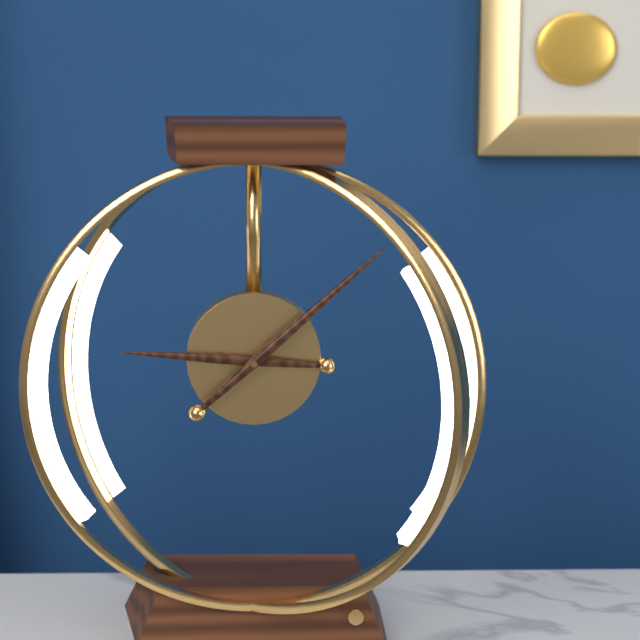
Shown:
9.08
